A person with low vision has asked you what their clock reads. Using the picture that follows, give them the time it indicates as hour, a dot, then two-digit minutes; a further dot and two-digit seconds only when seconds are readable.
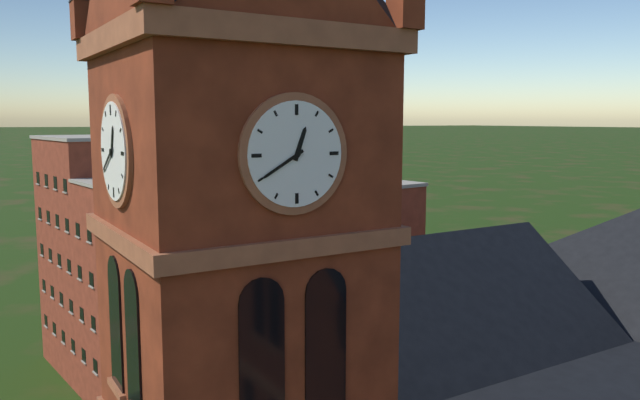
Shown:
12.40
